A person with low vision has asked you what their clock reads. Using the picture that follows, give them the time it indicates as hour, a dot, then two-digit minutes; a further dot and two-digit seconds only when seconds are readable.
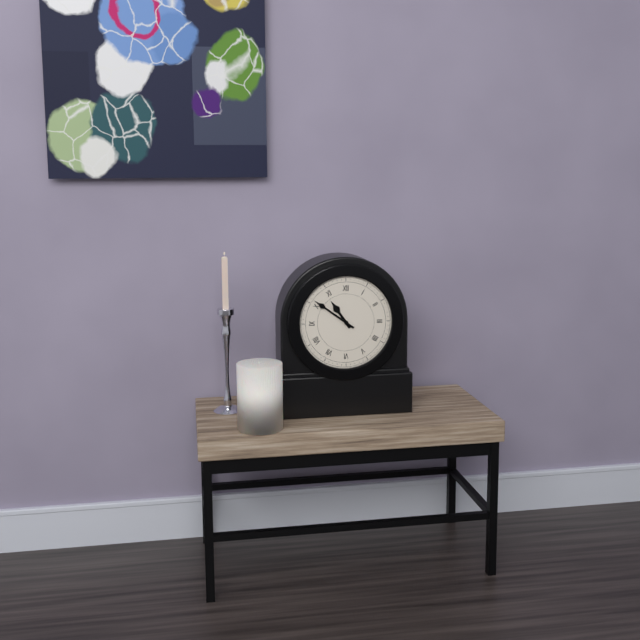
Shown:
10.51
